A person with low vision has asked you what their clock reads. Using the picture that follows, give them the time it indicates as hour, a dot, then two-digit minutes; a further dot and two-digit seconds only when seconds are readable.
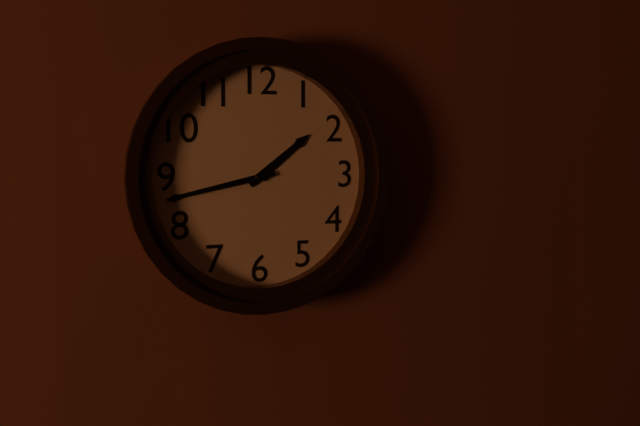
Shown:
1.43
